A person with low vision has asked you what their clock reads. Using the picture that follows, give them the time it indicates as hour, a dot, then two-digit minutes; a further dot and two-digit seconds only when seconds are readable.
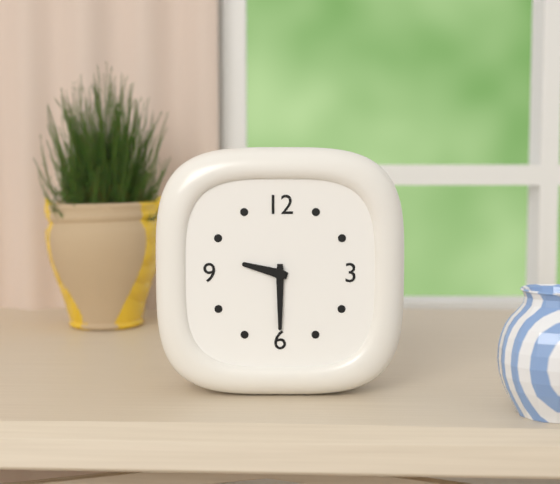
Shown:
9.30
